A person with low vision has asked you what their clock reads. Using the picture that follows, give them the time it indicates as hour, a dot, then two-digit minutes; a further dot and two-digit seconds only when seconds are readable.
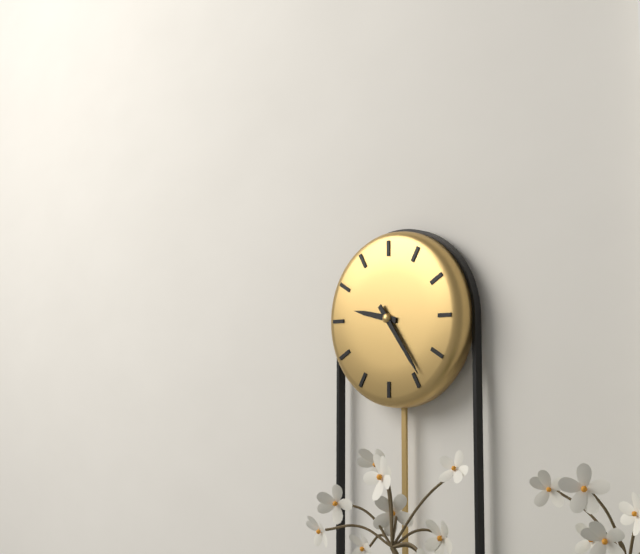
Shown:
9.24
